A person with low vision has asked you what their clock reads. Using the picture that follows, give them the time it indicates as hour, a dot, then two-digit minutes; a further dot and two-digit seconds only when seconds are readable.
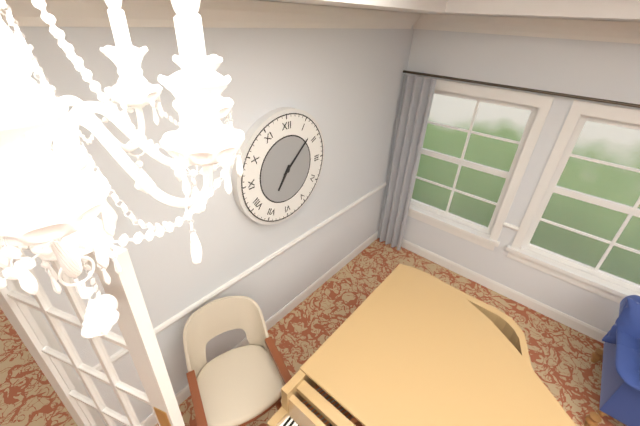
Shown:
7.08
